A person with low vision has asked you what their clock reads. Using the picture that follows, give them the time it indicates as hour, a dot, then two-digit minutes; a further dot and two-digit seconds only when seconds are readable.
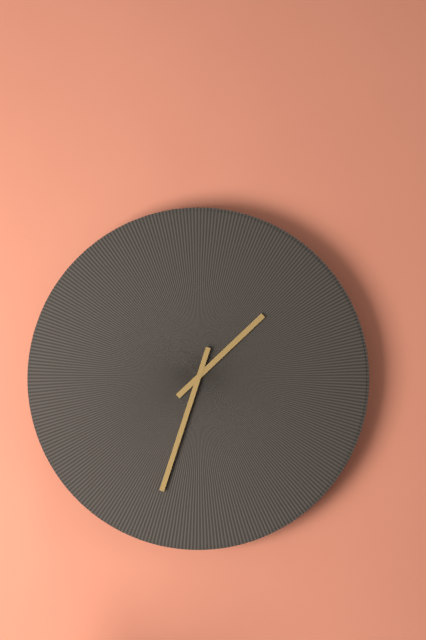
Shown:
1.33
